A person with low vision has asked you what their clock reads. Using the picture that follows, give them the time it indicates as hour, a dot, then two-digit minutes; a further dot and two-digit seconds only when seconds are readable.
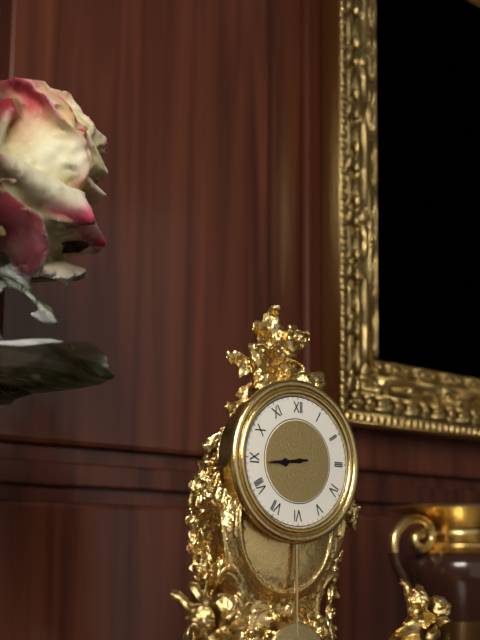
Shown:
8.44
